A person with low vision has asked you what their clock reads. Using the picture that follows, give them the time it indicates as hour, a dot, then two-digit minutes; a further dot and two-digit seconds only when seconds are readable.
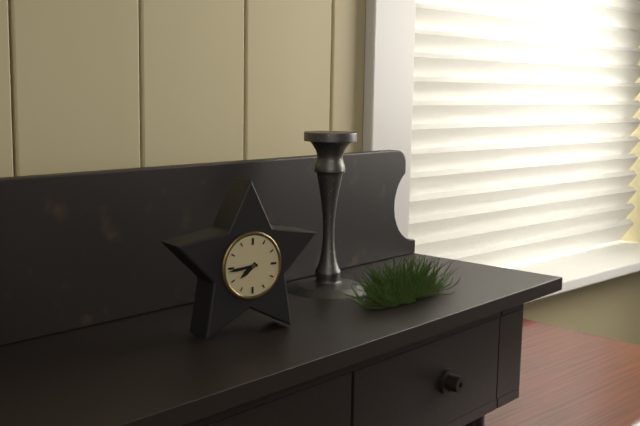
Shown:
7.44
